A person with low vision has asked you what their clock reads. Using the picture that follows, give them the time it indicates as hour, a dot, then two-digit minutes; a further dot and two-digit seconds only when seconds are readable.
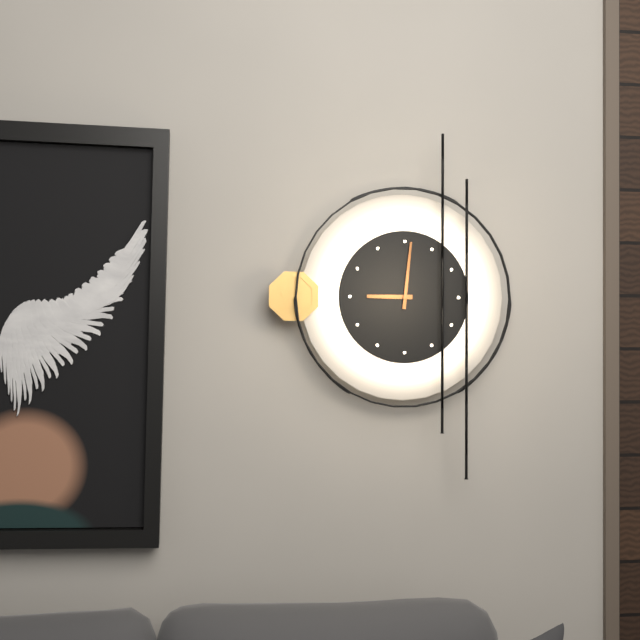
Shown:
9.01
